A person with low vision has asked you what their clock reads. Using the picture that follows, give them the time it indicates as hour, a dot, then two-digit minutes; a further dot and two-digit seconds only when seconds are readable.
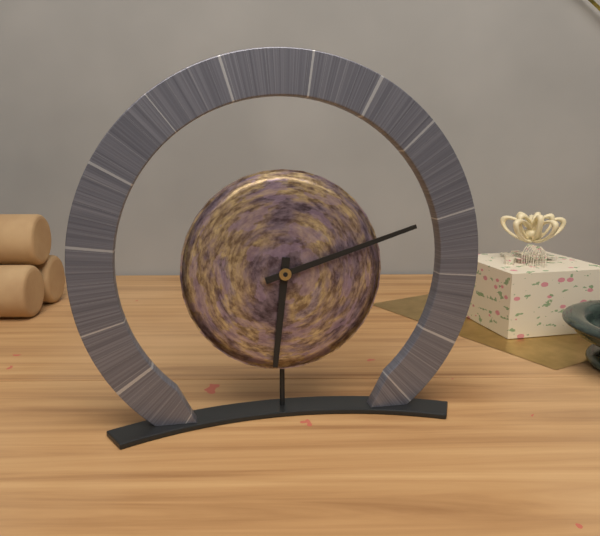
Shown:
6.12
